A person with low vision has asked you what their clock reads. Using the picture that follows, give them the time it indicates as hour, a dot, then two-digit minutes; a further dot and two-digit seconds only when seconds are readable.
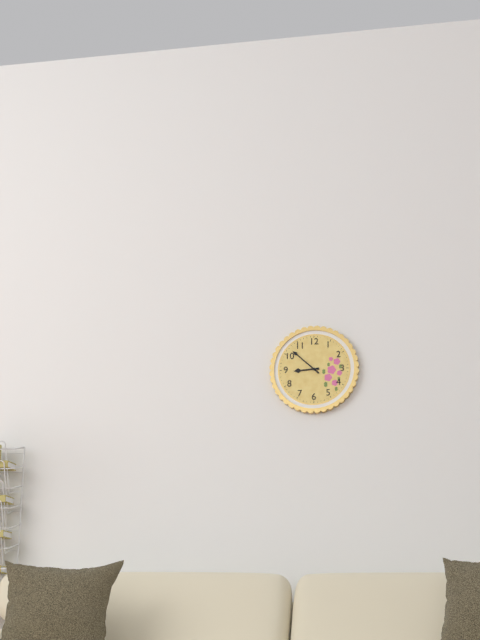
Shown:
8.52
